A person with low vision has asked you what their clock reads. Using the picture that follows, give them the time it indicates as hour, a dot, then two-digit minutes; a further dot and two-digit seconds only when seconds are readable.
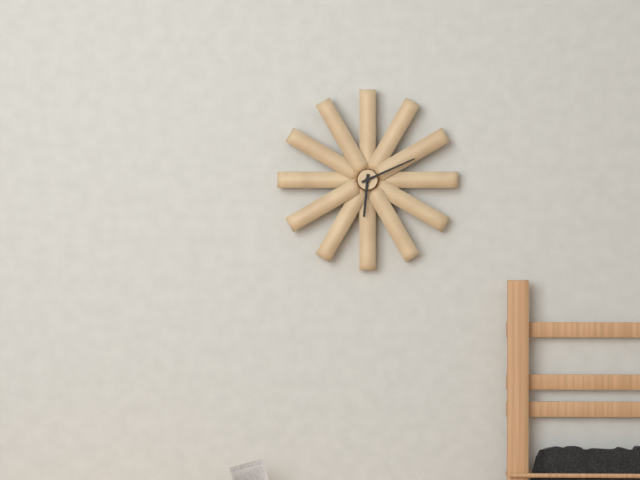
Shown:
6.11
